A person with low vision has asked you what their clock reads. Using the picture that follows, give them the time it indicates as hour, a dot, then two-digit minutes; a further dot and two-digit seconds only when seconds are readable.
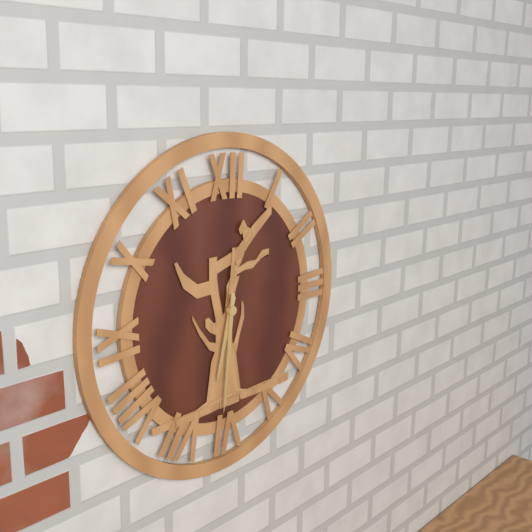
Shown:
6.31
